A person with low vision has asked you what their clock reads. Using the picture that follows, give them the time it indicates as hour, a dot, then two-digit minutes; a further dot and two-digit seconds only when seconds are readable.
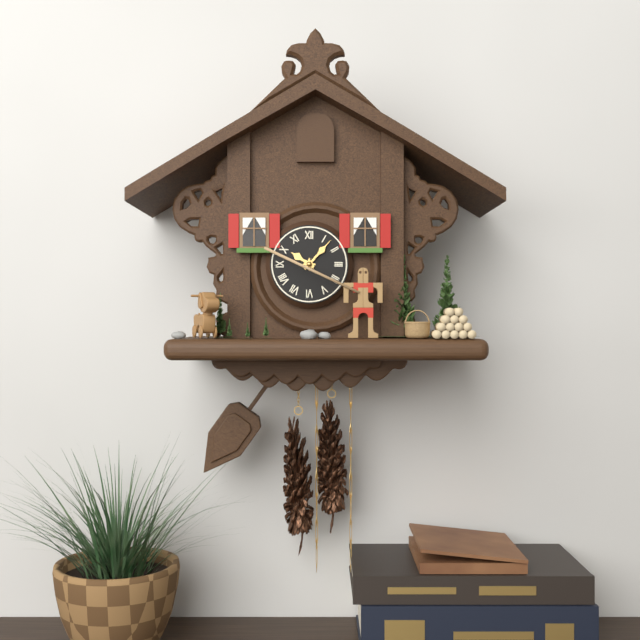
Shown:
10.07
